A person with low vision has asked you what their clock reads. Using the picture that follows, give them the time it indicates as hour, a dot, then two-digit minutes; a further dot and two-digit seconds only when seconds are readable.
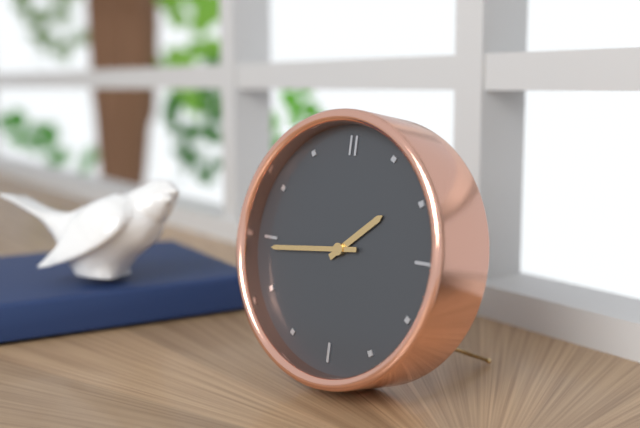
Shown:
1.44
